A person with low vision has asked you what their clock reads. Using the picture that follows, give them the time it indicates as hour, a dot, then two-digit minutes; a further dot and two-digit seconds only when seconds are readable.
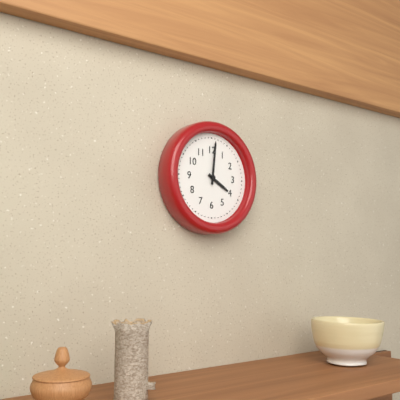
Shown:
4.01
